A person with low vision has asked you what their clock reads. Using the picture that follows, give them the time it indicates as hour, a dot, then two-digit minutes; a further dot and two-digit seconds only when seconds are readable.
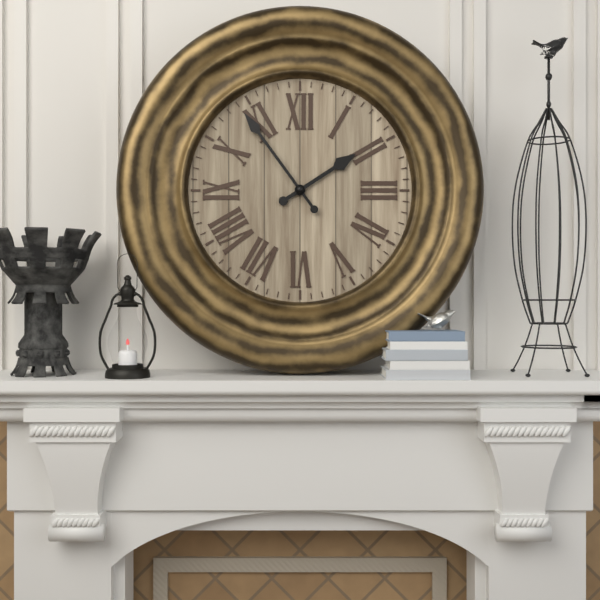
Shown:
1.54
